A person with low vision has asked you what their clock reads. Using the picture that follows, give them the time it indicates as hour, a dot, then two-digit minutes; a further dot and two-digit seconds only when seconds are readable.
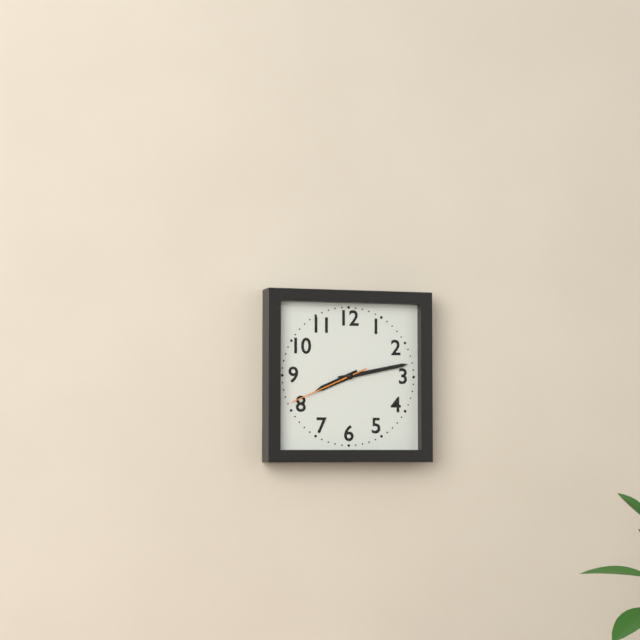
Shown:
8.13.41
